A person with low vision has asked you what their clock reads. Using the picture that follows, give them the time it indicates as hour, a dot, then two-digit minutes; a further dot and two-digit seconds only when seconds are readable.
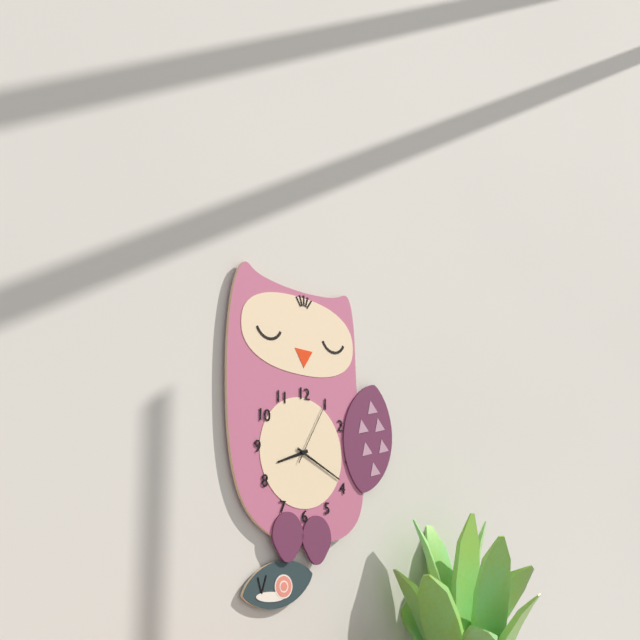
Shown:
8.19.05
